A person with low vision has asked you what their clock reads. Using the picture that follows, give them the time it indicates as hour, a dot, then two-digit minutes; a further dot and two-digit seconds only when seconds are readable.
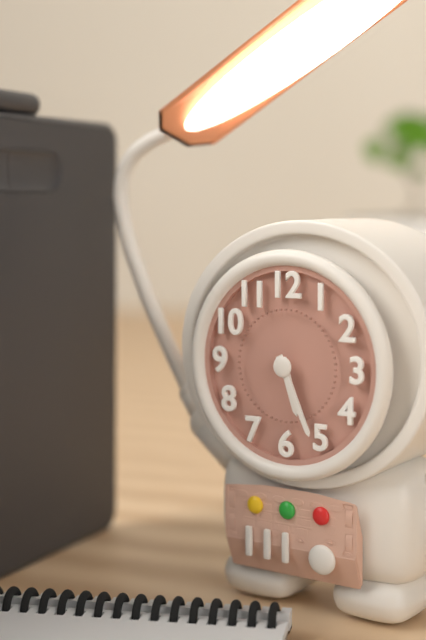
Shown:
5.26
